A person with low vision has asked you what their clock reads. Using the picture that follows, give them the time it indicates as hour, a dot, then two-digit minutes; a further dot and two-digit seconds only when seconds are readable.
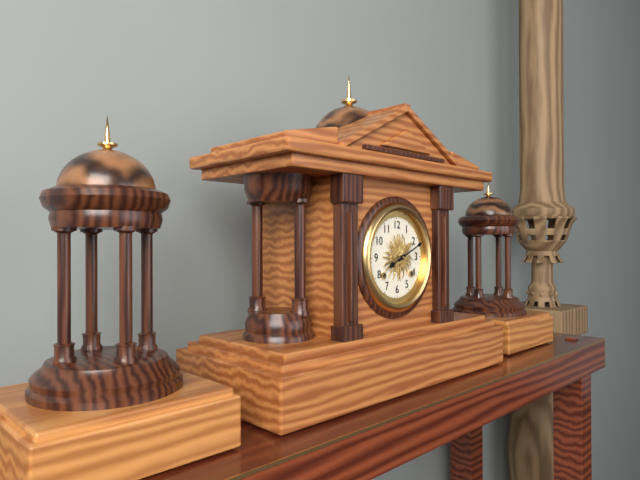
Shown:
8.11
